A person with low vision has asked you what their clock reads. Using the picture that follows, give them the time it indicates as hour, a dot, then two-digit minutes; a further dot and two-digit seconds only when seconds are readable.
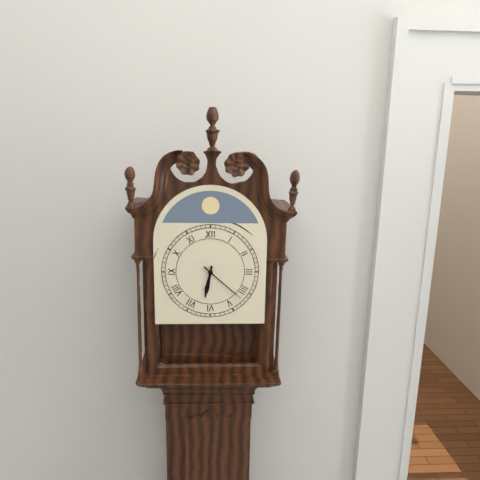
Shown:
6.22
